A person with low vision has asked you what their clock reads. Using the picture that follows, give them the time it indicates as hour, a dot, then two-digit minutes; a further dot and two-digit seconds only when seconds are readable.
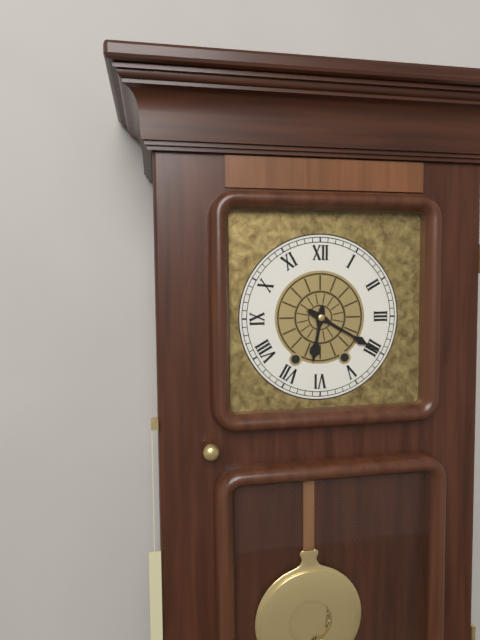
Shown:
6.20
